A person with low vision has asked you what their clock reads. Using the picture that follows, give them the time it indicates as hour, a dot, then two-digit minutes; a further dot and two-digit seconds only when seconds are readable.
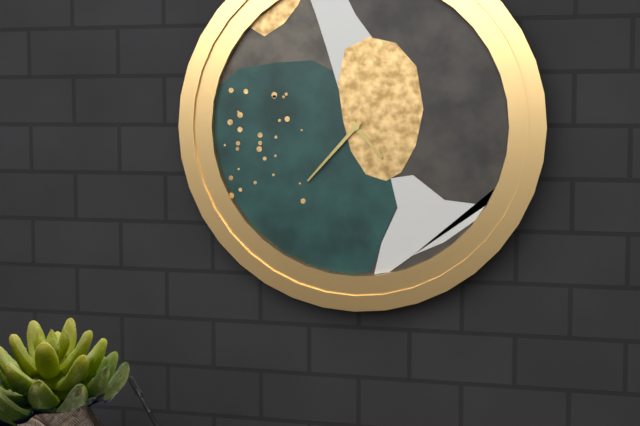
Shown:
4.37
